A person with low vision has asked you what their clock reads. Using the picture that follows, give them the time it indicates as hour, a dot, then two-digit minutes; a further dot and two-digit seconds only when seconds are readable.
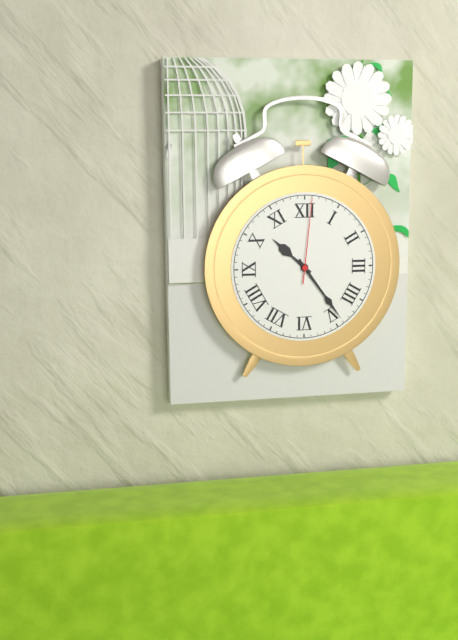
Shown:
10.24.01
